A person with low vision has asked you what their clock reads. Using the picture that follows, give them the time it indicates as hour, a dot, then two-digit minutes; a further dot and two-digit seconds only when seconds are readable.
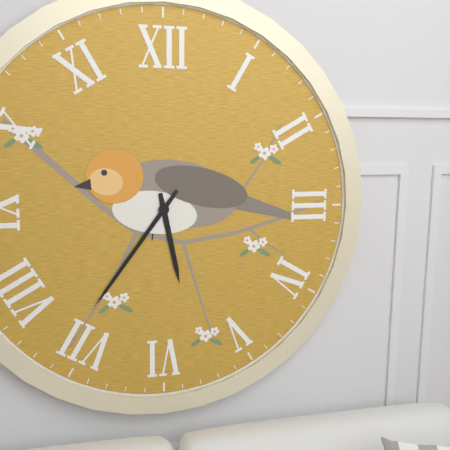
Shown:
5.36
